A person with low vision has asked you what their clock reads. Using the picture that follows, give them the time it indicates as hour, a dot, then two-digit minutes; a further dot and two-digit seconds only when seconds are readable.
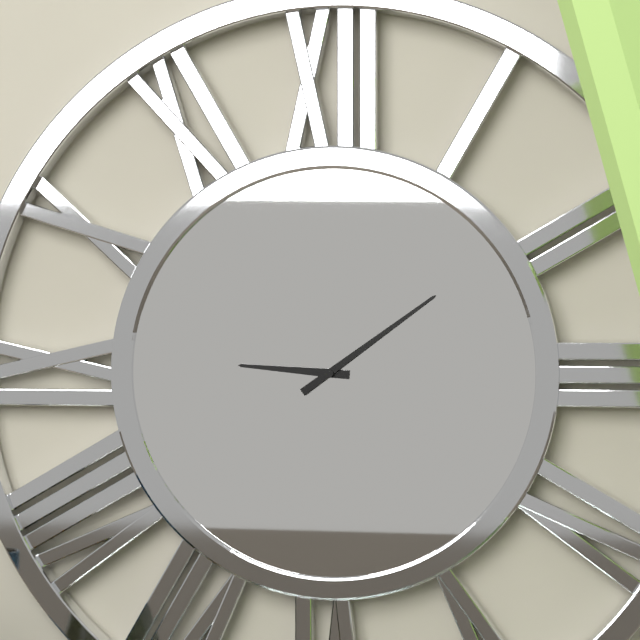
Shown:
9.09
